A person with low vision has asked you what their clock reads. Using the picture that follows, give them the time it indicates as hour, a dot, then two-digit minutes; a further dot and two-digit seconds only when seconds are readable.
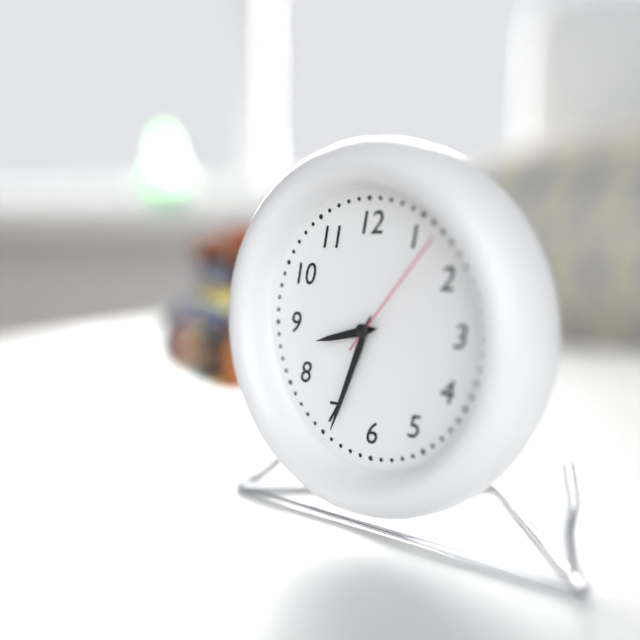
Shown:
8.34.07
